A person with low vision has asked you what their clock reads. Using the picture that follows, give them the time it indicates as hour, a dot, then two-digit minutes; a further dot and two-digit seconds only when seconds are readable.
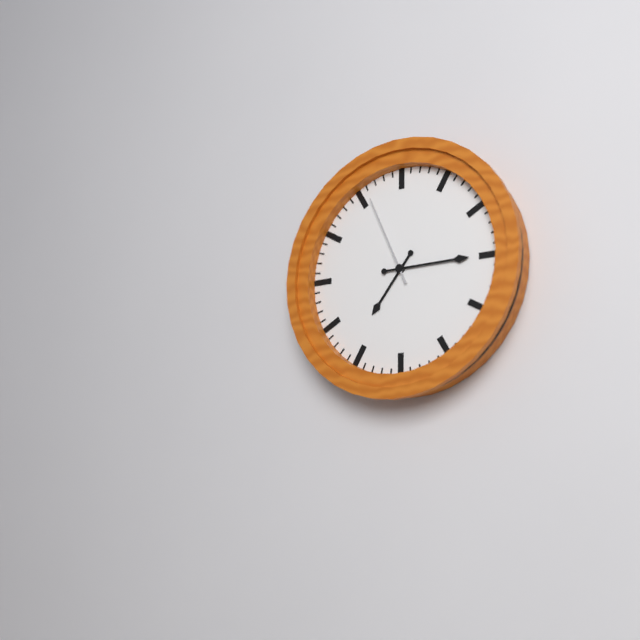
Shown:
7.15.56
